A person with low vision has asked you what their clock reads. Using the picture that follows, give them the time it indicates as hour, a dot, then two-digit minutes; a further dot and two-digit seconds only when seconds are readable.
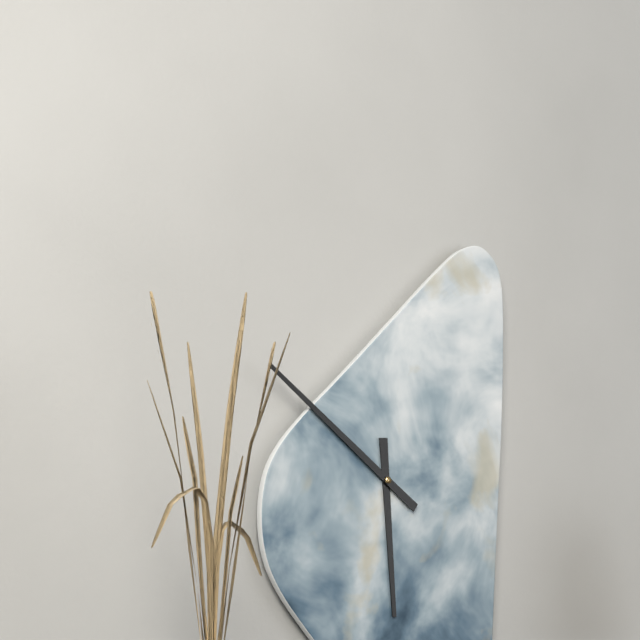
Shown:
5.51
